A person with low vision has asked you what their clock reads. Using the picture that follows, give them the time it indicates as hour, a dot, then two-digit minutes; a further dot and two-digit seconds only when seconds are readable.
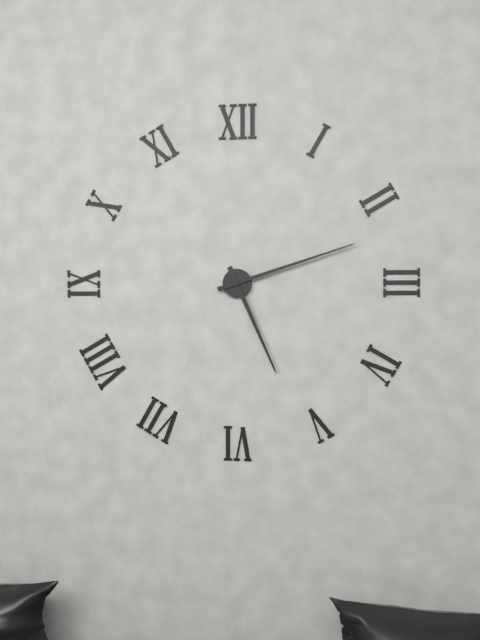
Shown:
5.12
